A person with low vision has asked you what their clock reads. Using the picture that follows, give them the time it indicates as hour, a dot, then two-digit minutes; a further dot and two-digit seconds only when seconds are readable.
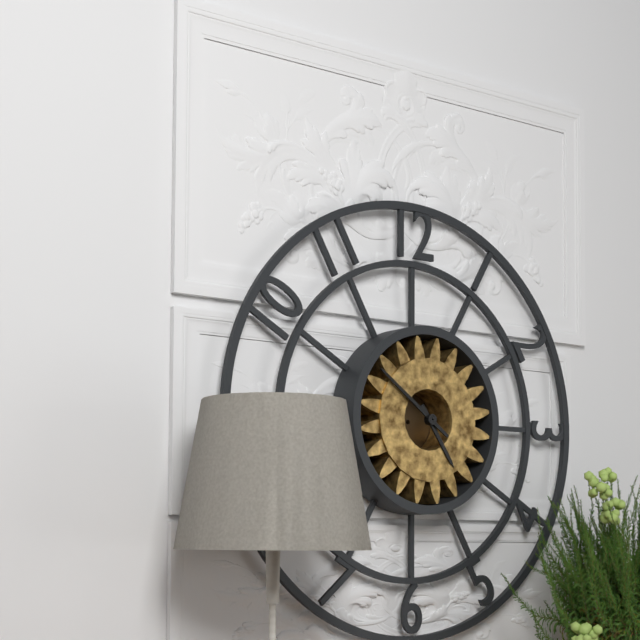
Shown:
4.51
